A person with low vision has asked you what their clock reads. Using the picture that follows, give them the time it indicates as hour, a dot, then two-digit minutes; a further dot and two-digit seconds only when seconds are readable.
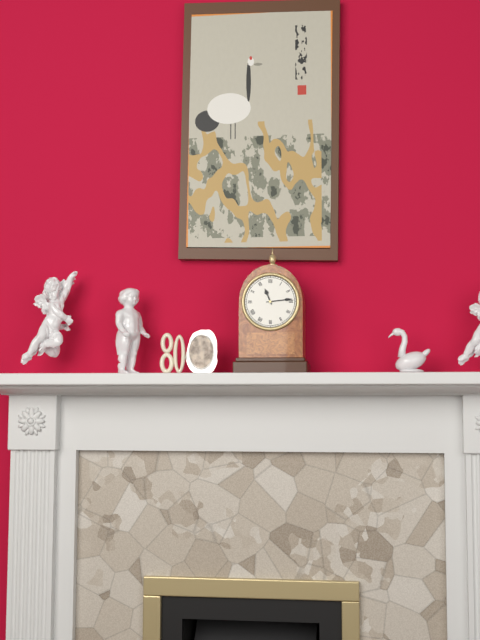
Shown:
11.14
